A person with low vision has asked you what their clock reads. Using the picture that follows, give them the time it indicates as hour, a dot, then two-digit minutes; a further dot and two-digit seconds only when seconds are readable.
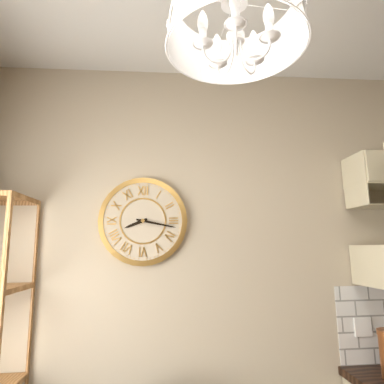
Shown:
8.17
